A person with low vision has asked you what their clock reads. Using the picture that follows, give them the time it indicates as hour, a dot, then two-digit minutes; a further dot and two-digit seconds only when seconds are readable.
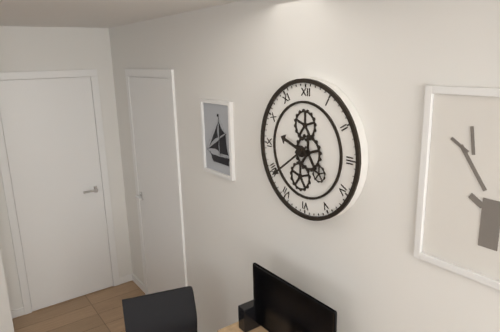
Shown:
9.39
